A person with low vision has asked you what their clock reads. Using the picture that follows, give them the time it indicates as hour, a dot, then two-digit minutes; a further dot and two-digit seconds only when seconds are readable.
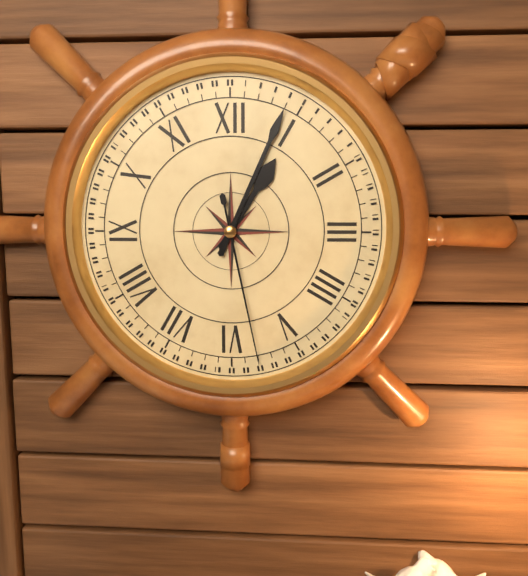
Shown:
1.04.28
